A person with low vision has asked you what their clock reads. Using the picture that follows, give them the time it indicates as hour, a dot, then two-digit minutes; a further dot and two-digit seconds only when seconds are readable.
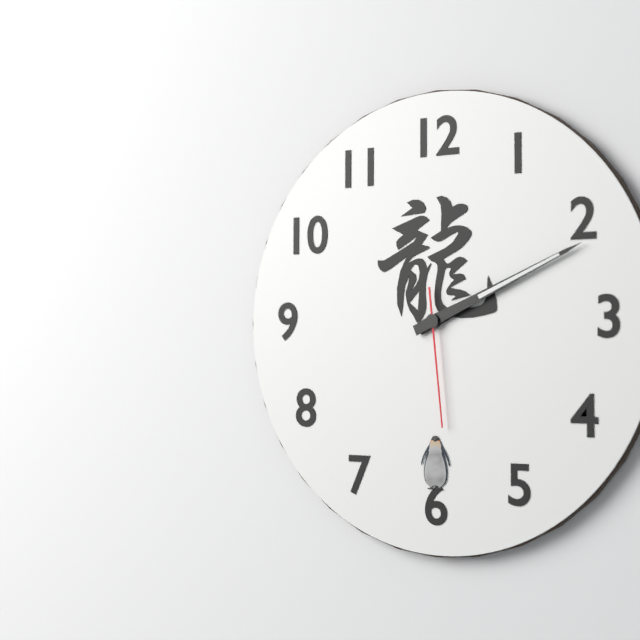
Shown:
2.11.29
